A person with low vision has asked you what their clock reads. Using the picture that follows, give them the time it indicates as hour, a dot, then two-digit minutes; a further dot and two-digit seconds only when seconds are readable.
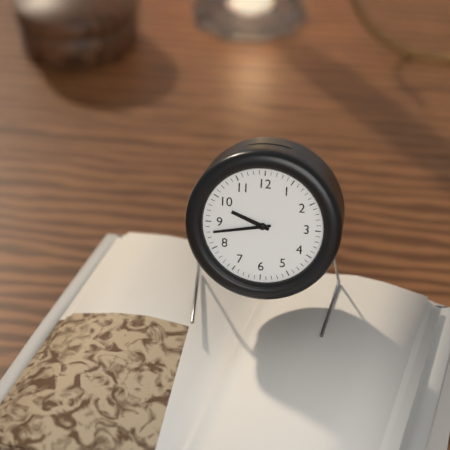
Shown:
9.43
